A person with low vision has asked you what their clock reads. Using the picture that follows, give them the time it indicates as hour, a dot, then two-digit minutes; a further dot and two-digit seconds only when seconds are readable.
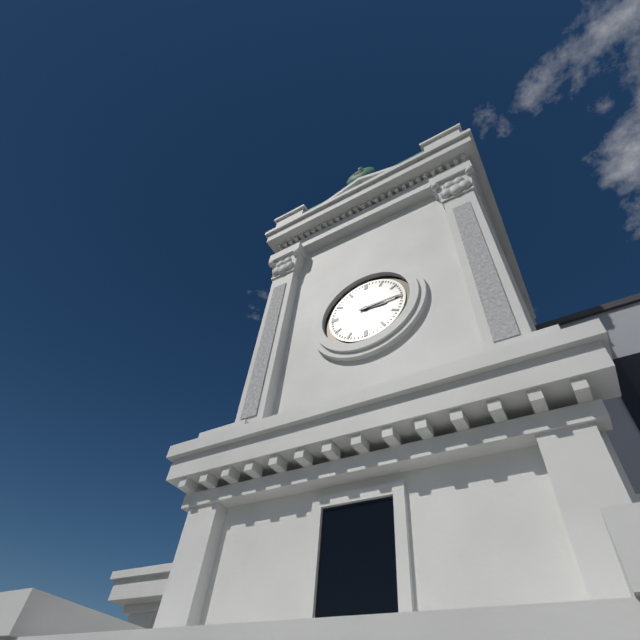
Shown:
3.15
